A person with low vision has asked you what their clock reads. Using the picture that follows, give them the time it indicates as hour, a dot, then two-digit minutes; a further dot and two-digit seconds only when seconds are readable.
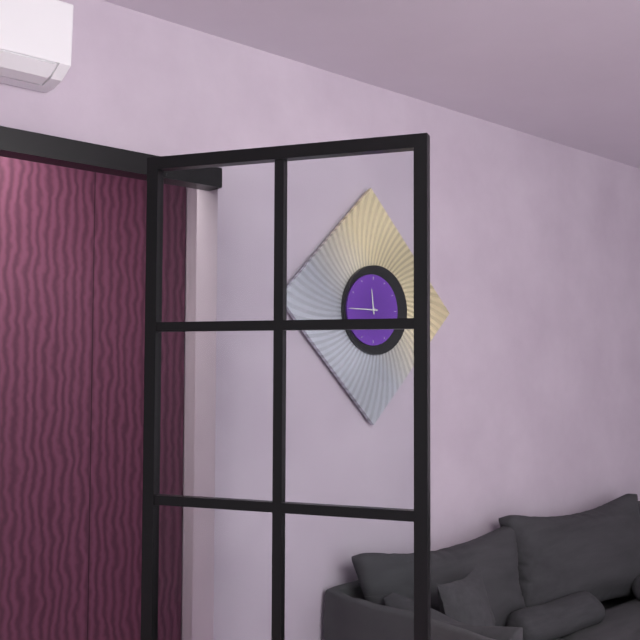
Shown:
11.45
